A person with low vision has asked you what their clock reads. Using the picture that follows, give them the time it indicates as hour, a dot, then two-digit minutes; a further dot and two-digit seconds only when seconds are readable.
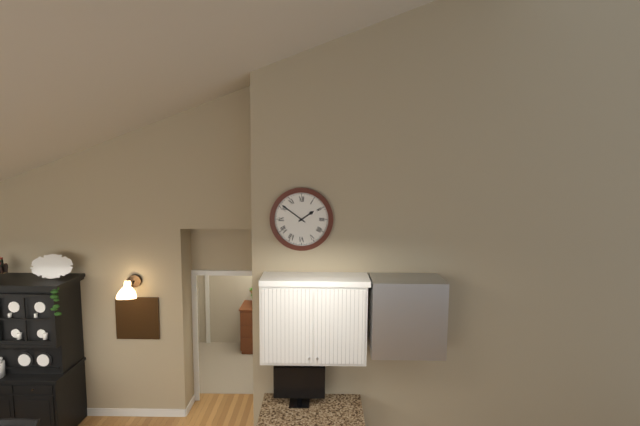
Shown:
1.51
